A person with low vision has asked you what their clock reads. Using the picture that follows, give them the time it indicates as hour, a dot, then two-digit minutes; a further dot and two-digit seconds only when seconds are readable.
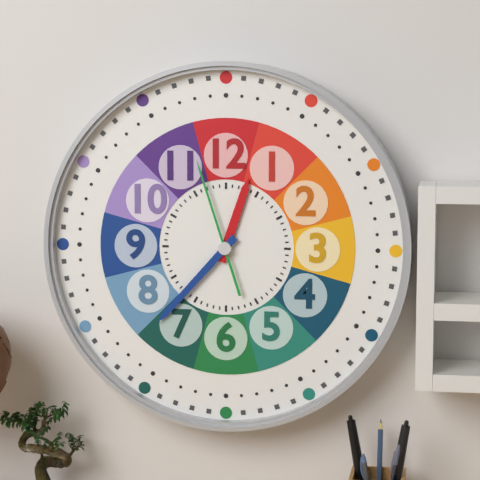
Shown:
12.37.57
